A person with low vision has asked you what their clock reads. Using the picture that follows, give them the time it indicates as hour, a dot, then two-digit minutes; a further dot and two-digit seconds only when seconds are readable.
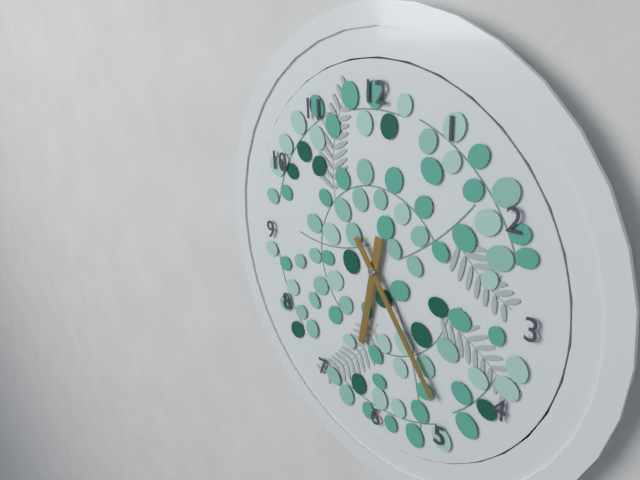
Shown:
6.24
